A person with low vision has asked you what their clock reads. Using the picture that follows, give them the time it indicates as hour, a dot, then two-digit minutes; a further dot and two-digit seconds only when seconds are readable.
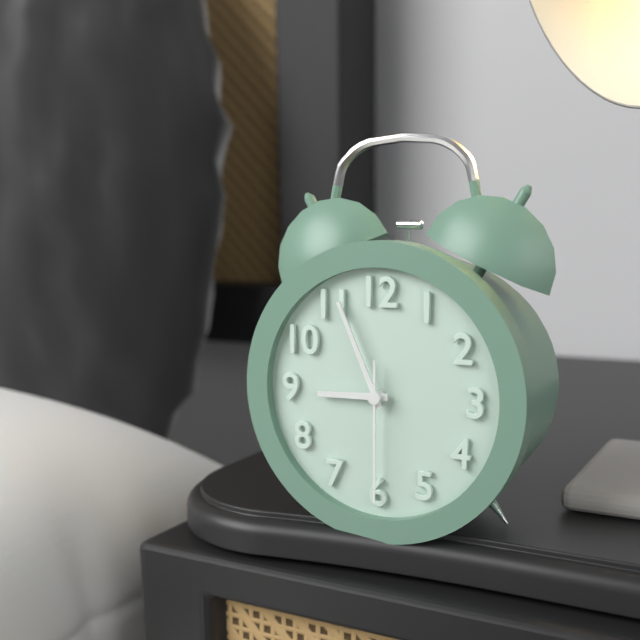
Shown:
8.56.30
